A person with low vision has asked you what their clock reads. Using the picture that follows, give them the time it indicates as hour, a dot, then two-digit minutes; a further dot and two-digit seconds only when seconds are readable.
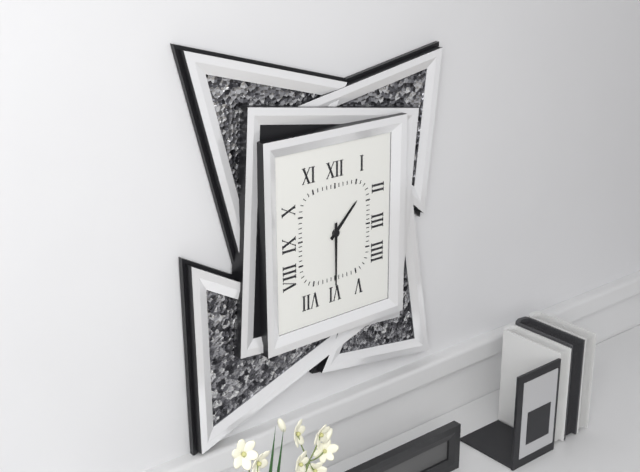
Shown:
1.30
